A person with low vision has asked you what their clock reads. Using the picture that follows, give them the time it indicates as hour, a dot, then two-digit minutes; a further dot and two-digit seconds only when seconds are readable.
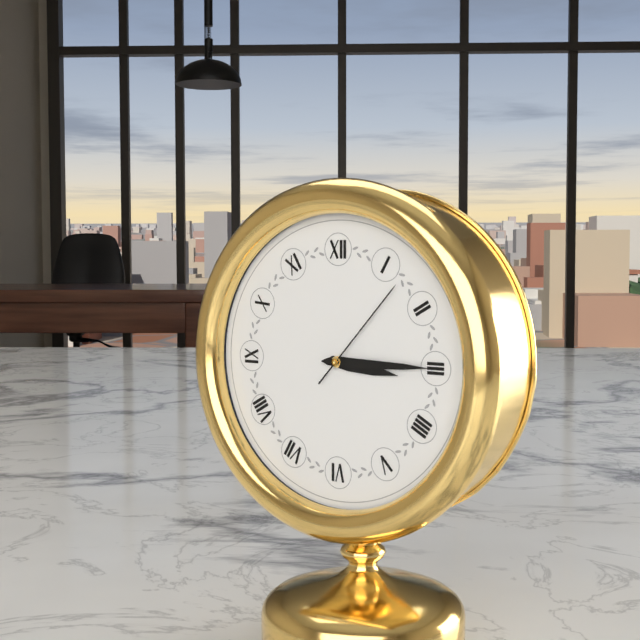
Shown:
3.15.07
